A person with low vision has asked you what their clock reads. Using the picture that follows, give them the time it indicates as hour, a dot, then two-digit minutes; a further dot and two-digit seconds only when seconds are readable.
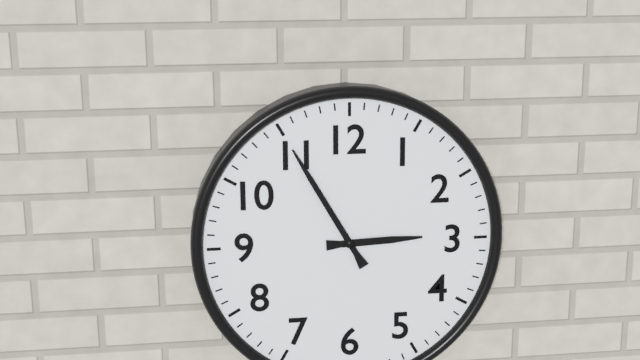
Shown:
2.55
